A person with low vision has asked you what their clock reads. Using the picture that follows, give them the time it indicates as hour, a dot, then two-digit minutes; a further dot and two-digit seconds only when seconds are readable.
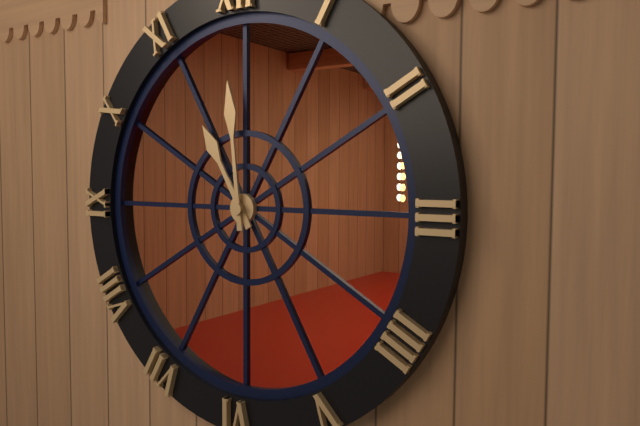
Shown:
10.59
